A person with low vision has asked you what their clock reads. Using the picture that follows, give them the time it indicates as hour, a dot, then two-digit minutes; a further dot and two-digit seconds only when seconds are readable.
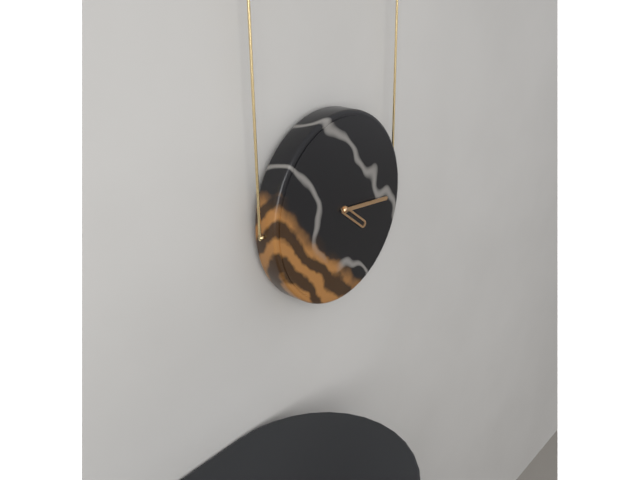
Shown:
4.16
